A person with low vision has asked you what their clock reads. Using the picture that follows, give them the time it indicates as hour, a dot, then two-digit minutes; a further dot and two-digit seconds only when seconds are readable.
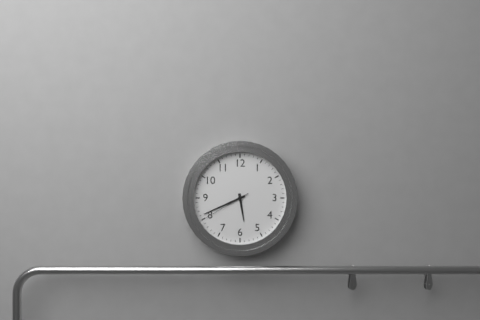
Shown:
5.41.40
